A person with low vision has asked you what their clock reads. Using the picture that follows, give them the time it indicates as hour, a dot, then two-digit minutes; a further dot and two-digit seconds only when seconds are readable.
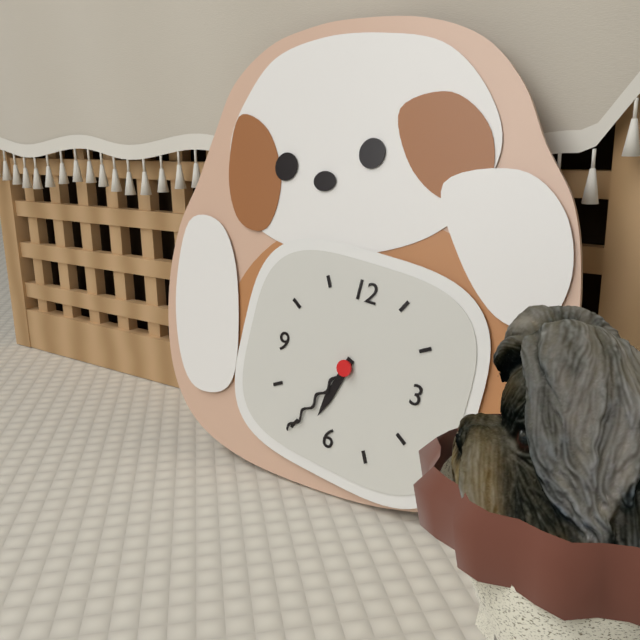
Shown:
6.35
